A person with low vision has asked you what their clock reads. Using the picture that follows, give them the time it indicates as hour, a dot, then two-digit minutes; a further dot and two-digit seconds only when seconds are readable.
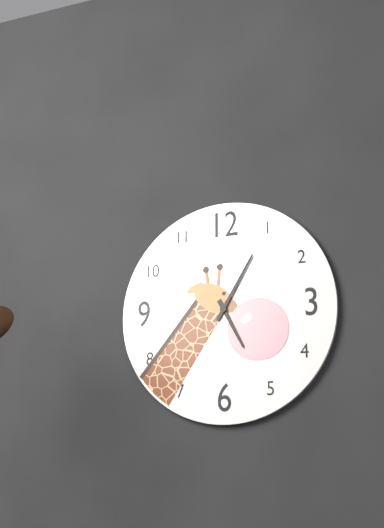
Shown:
5.05
